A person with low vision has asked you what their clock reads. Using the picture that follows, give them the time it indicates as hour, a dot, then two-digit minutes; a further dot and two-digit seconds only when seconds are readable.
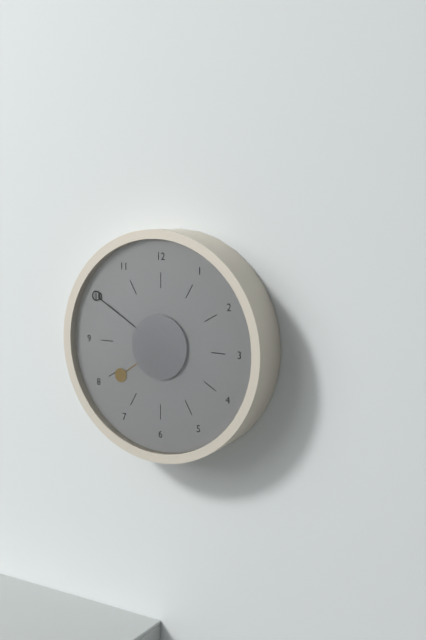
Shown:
7.50
